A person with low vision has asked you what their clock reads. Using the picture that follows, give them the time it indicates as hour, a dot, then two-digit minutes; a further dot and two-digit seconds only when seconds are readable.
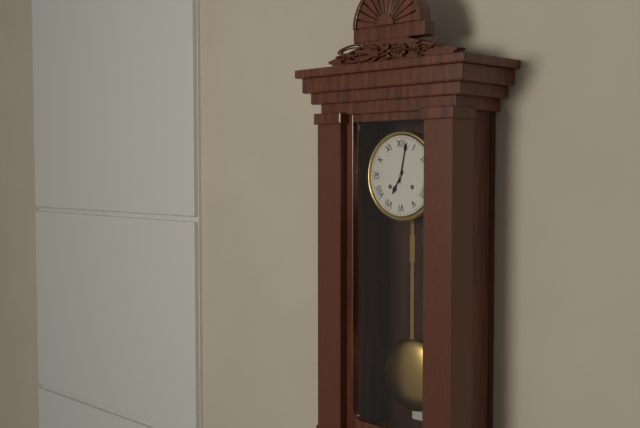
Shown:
7.02
